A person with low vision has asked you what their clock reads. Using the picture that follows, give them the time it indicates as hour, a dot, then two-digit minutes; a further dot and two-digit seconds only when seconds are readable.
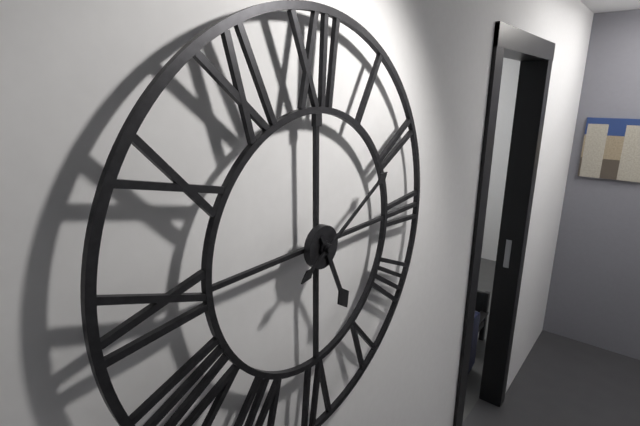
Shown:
5.10
